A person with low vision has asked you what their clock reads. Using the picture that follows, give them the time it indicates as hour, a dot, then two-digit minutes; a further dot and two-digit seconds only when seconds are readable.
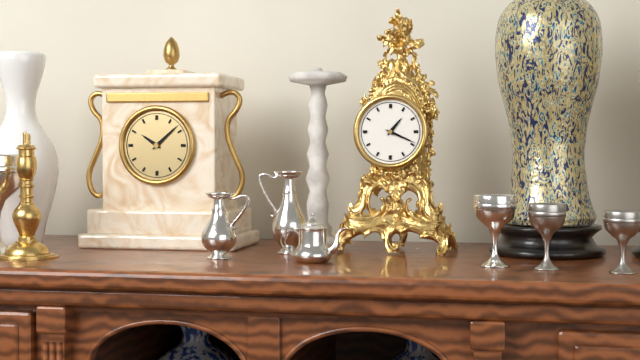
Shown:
1.19
